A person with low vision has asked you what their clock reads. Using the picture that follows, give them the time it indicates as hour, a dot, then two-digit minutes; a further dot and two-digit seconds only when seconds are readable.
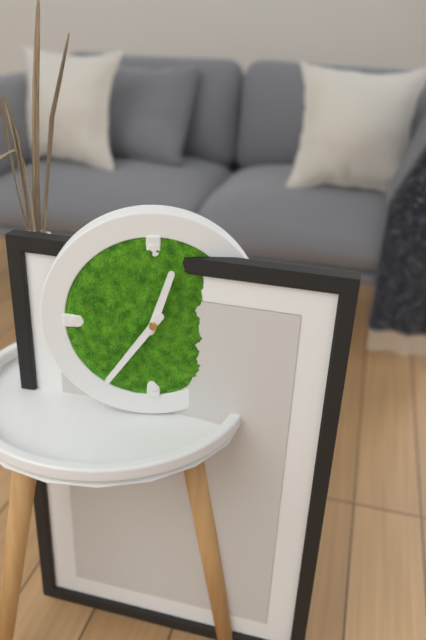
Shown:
12.36
